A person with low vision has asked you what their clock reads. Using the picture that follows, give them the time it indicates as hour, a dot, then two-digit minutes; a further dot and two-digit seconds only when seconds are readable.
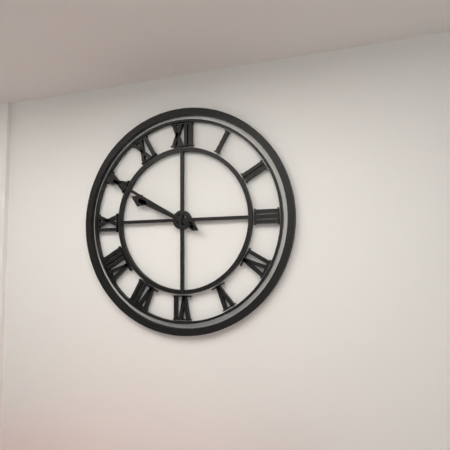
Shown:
9.50
